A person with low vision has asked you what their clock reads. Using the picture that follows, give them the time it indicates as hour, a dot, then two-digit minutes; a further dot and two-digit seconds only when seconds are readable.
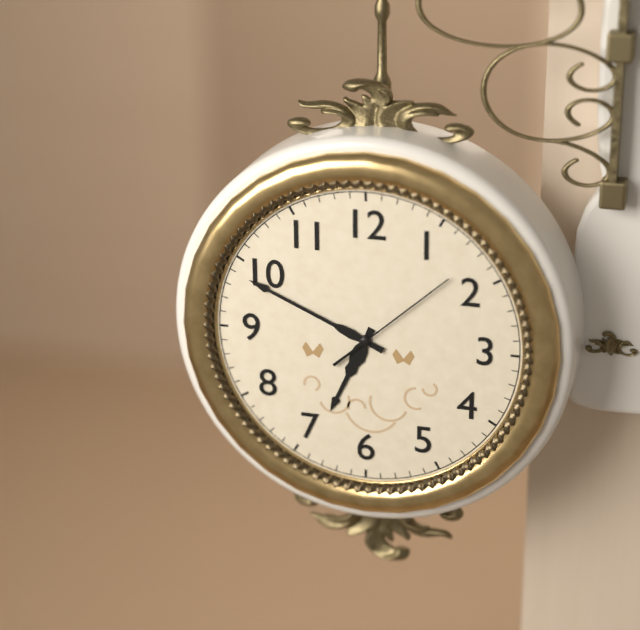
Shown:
6.49.08
